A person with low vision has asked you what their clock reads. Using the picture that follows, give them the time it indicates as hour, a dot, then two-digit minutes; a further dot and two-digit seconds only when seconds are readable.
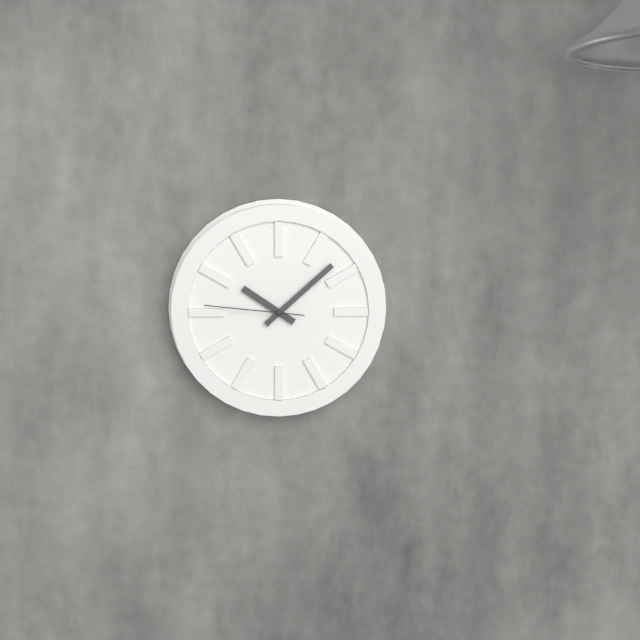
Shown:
10.08.46
